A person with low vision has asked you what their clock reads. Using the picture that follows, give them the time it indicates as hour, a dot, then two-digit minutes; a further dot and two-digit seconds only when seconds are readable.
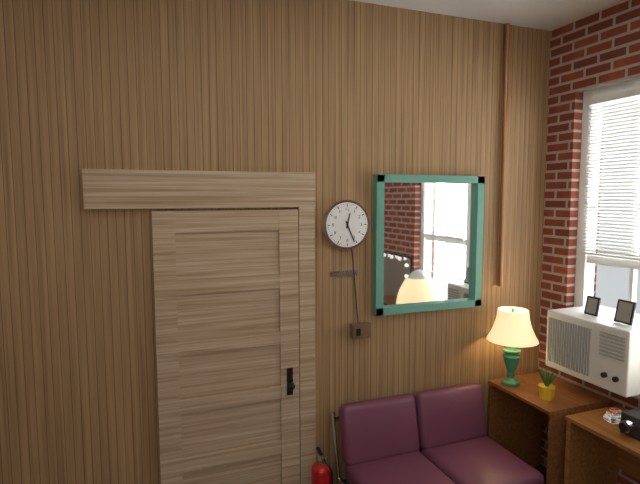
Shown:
12.26
